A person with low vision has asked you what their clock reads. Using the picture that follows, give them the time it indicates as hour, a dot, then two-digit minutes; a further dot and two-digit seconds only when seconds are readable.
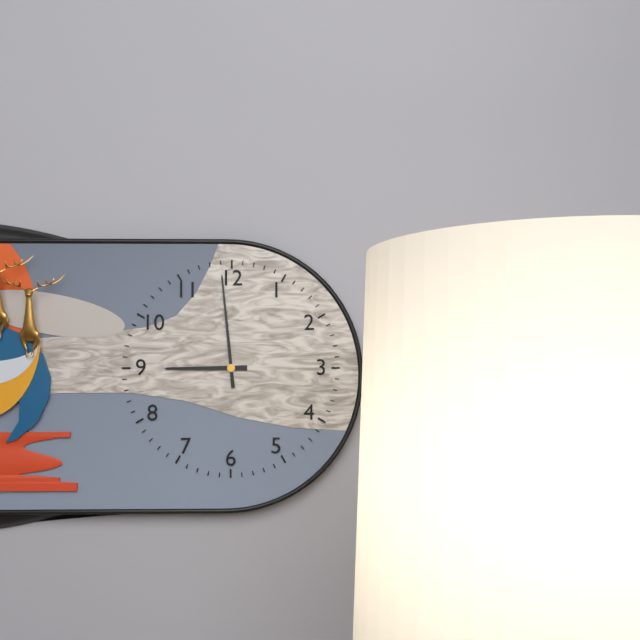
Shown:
8.59
